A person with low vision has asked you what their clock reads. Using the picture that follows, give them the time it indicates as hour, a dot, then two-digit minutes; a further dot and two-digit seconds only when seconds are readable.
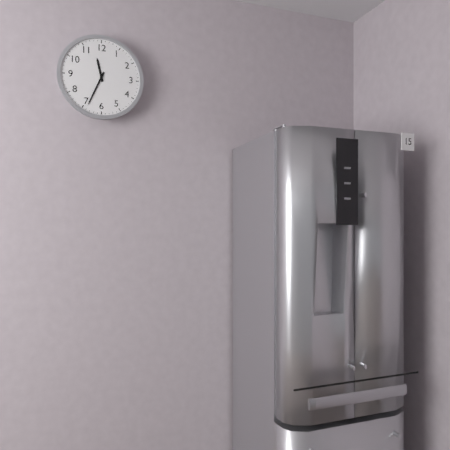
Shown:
11.34
